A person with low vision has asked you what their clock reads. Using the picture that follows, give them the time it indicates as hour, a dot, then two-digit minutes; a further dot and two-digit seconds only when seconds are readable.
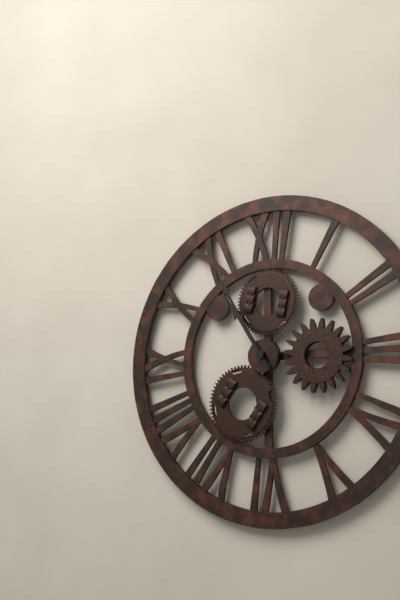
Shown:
10.55
